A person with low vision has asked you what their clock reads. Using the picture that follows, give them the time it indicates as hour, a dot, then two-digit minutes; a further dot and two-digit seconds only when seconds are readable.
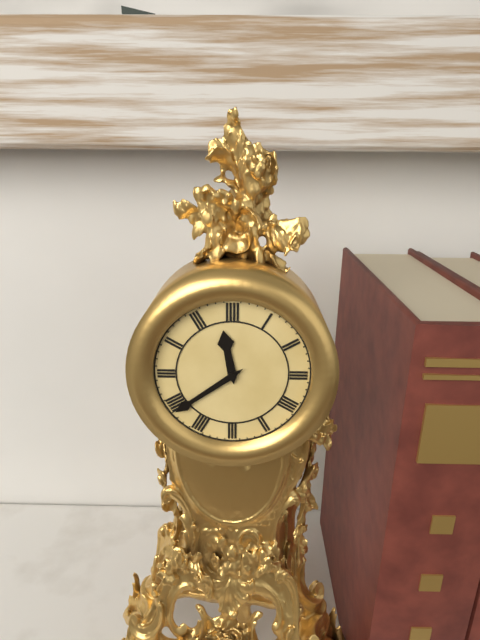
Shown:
11.39
